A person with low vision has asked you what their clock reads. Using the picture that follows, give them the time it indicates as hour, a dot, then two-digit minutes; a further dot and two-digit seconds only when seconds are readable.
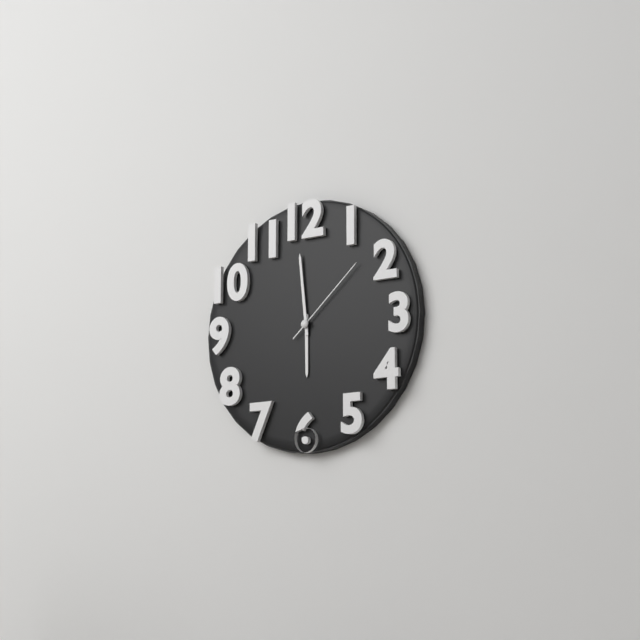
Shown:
5.59.08
